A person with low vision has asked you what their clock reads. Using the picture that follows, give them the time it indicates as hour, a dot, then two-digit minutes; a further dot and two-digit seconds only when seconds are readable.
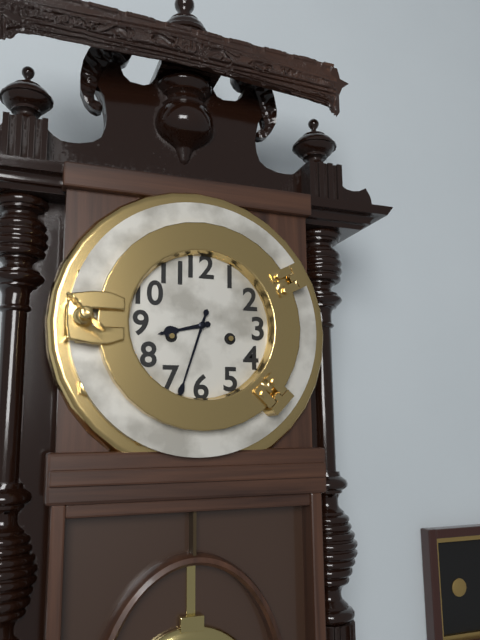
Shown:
8.33
